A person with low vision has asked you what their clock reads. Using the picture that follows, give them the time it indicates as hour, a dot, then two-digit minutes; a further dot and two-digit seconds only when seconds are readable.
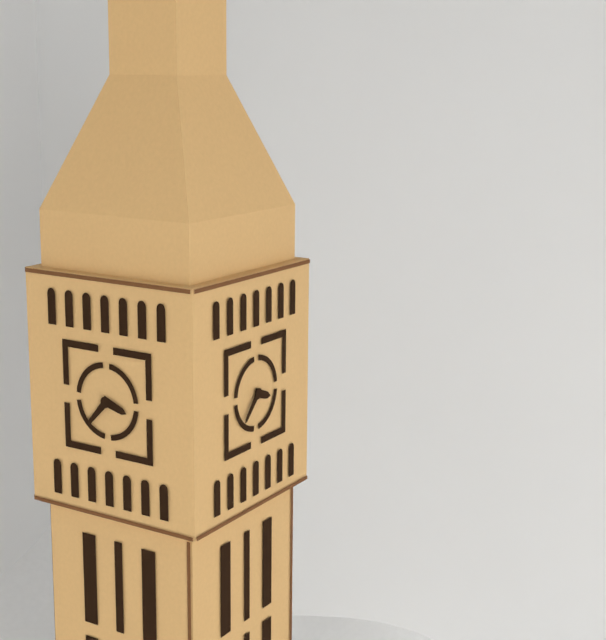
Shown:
3.37
